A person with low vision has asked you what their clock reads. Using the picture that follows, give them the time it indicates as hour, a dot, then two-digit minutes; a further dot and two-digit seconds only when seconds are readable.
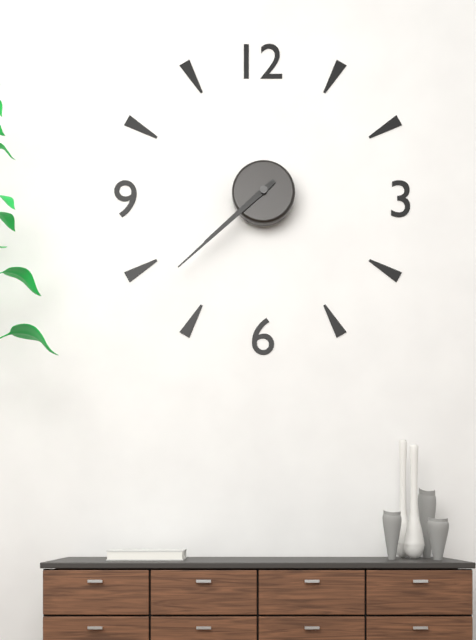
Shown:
7.38
